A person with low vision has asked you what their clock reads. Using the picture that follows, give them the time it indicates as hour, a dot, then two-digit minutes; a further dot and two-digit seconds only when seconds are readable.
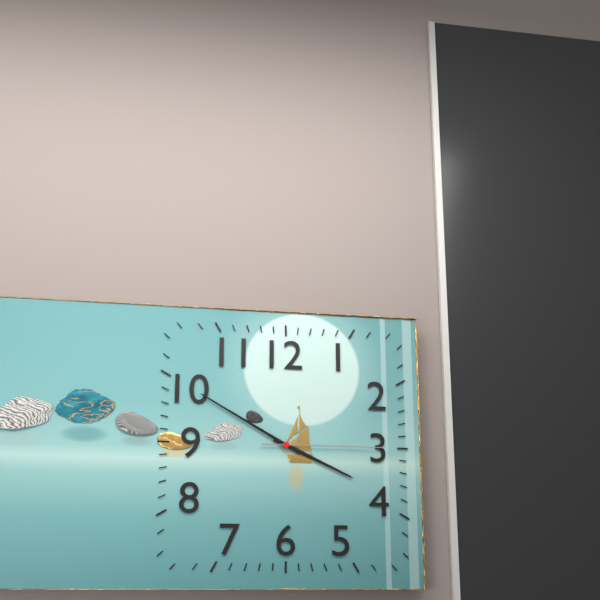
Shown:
3.50.15
